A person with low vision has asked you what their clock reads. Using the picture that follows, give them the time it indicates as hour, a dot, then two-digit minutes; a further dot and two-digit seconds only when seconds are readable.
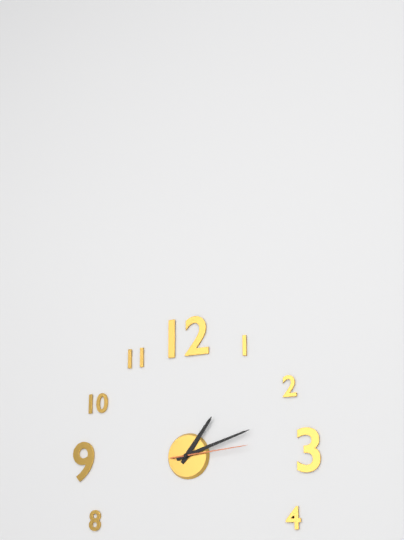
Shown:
1.12.14
